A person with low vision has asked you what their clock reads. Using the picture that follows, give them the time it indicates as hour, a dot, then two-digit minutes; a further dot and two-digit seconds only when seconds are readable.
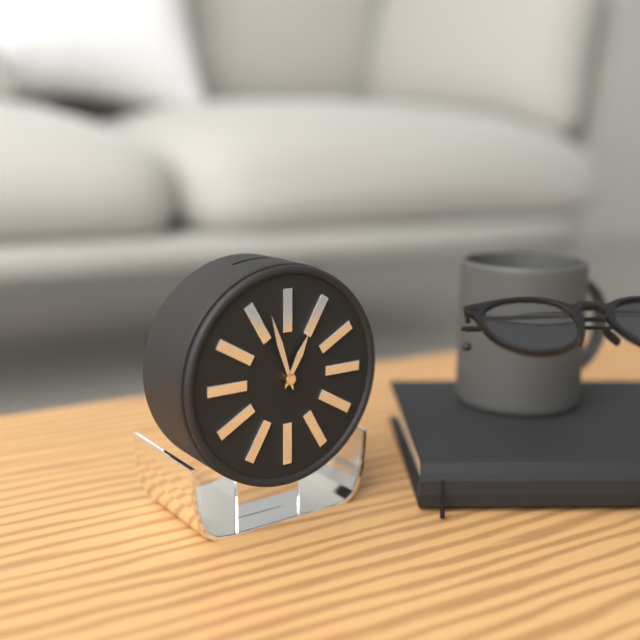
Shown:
12.57
